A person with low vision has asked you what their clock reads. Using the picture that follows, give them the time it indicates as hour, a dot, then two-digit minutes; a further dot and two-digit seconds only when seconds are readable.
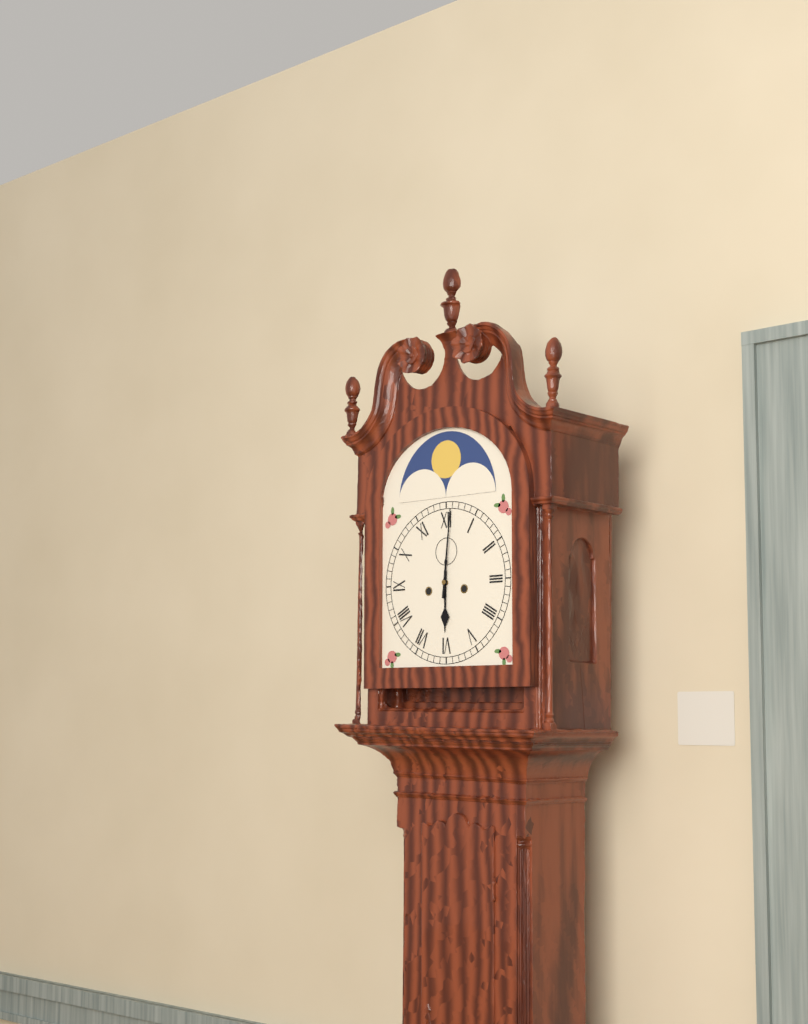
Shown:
6.01
